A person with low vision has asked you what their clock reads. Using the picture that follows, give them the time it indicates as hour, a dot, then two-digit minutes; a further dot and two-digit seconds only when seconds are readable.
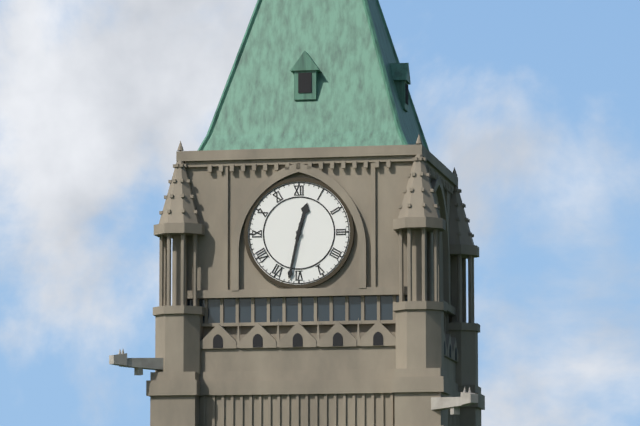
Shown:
12.32
